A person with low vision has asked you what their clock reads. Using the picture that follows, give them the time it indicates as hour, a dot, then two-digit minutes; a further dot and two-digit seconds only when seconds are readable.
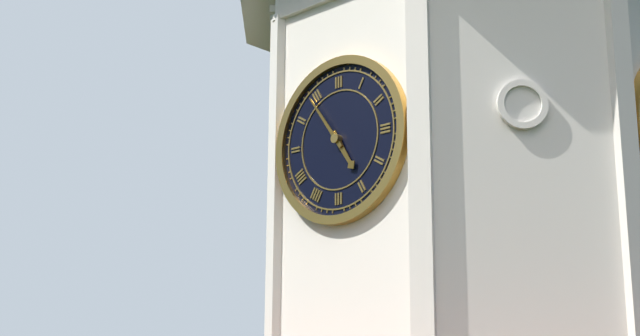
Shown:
4.54
